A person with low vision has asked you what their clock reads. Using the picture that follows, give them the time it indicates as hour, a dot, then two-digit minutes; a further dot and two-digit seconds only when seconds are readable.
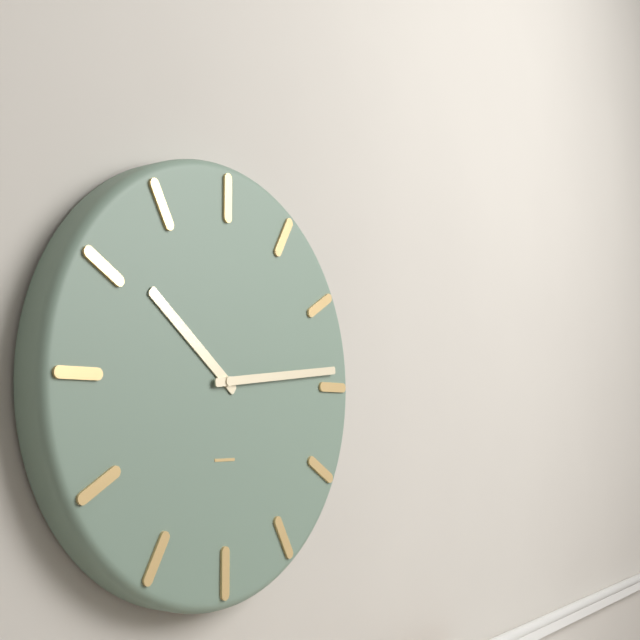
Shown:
10.14
